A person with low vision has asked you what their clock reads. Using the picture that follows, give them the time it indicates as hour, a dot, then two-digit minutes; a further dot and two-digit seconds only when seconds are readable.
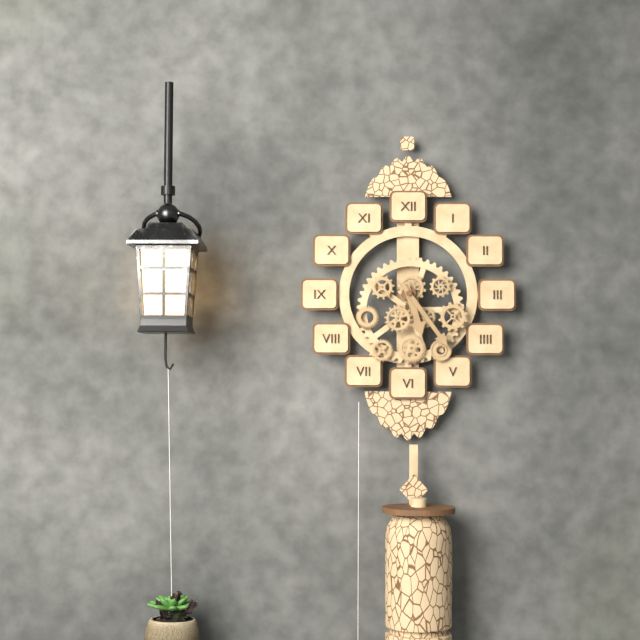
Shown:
5.24
